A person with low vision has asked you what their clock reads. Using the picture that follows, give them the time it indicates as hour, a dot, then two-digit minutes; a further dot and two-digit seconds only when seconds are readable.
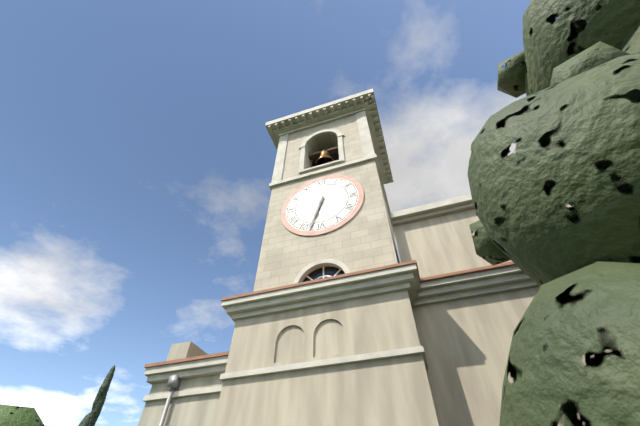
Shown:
6.33
